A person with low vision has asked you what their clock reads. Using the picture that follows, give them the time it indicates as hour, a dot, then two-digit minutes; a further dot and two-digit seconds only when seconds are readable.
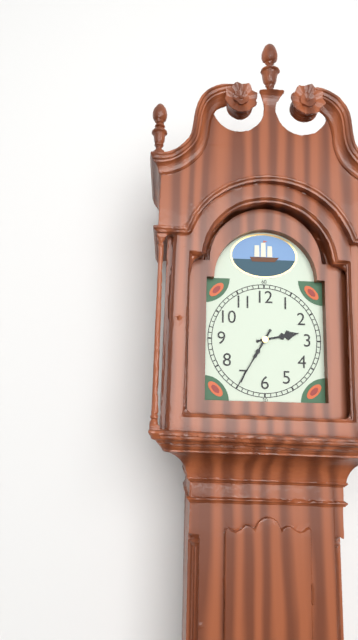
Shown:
2.35
